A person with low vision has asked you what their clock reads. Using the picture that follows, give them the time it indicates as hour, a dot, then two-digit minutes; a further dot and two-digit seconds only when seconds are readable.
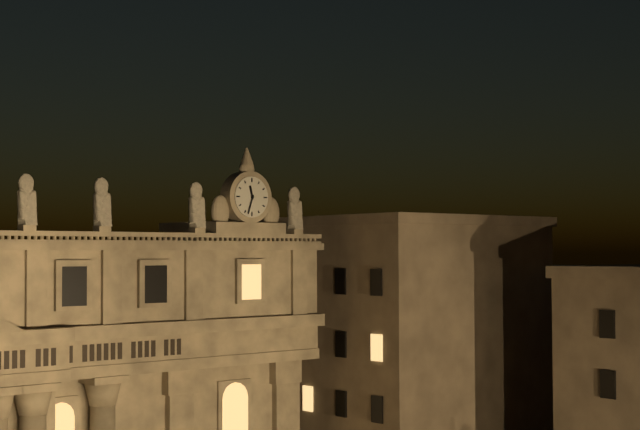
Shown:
11.33
